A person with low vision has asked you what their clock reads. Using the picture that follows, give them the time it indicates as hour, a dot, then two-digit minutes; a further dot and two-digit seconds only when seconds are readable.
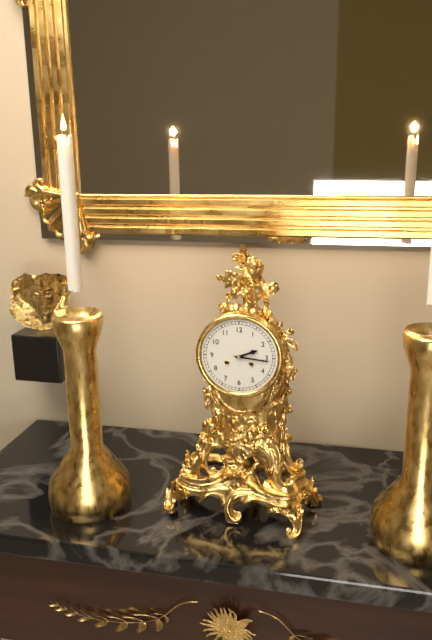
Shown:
2.16
